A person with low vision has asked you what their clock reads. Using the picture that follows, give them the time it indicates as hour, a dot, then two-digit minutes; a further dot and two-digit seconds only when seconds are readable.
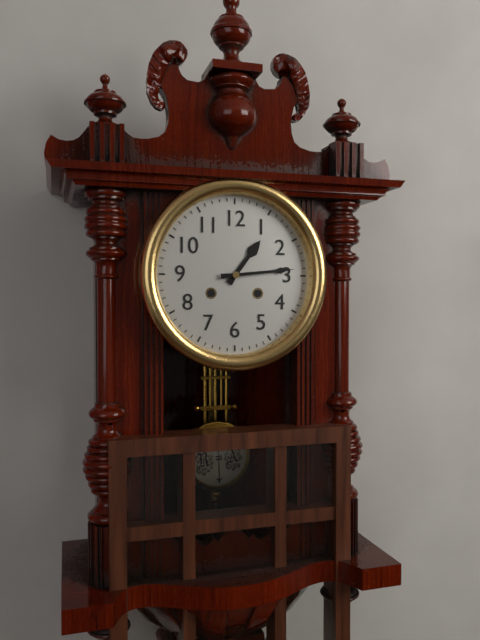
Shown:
1.14
